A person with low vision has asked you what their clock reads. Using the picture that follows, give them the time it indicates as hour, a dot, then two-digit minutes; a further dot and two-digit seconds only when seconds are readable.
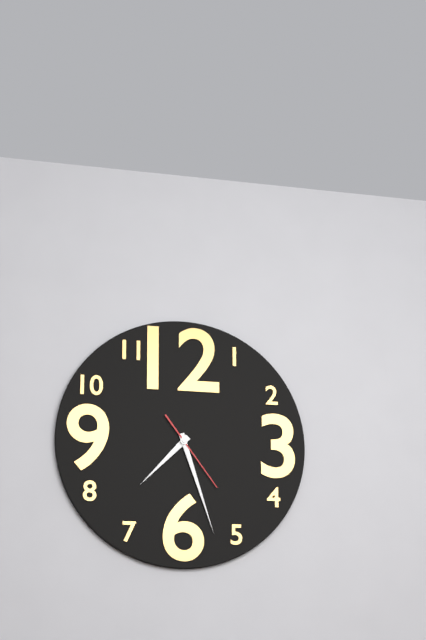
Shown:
7.27.24
